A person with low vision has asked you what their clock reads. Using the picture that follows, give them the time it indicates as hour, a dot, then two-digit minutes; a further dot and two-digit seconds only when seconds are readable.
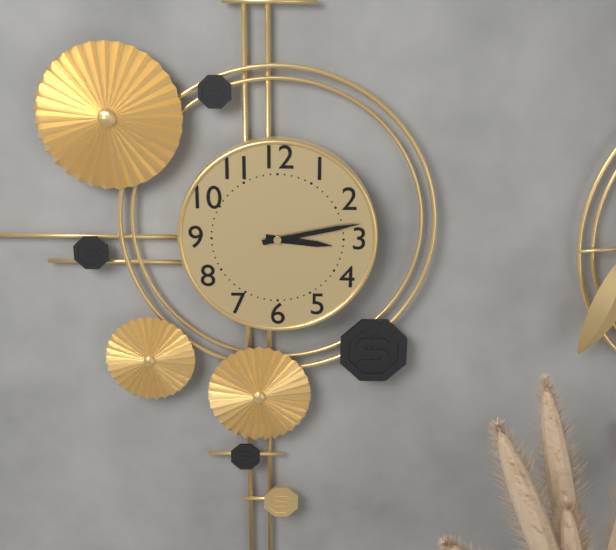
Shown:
3.13
